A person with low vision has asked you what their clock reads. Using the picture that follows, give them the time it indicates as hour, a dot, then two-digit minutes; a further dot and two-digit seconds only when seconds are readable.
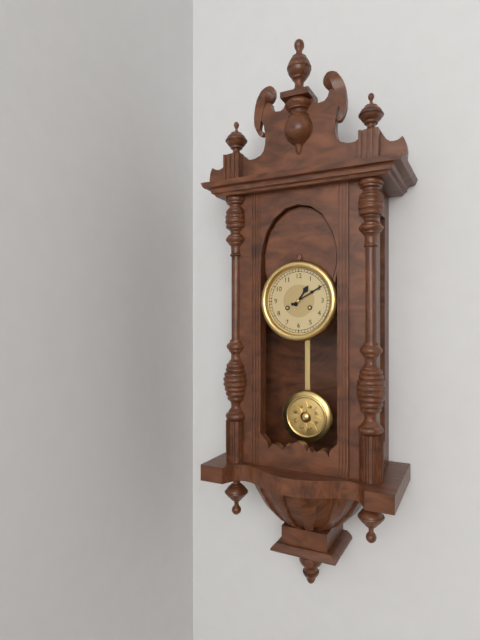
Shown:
1.10
